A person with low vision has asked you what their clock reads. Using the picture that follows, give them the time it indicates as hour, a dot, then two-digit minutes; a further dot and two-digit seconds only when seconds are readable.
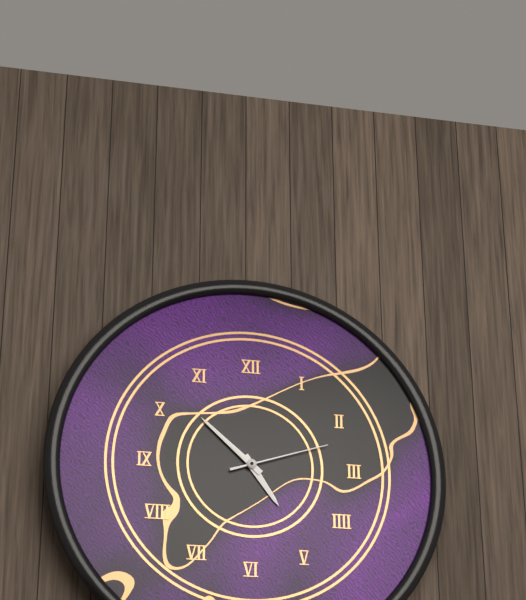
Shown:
4.52.12
